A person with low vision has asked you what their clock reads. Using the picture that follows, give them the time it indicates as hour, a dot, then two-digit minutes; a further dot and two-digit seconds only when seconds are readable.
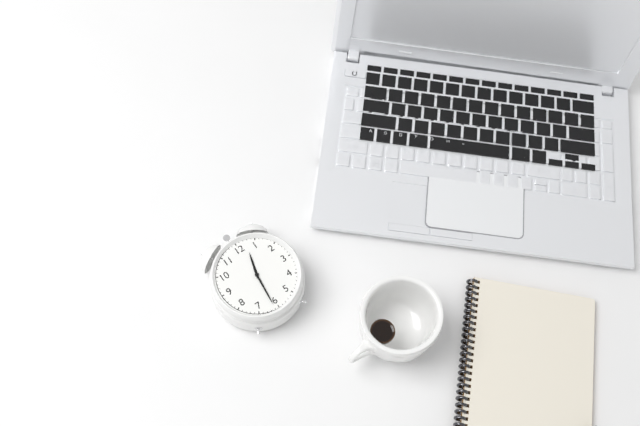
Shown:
12.31
